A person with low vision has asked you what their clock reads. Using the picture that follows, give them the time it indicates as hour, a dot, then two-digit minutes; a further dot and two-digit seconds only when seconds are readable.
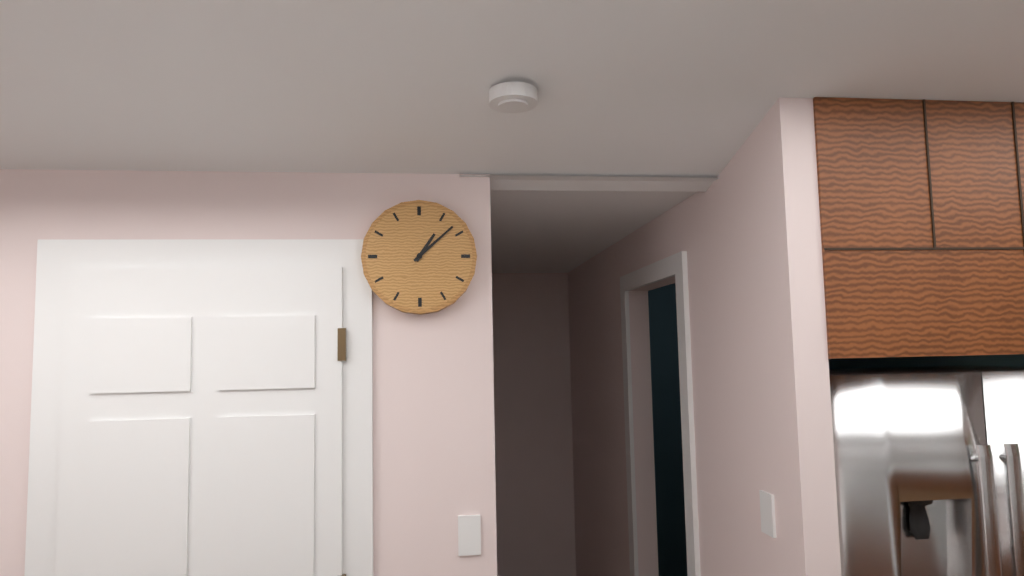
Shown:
1.08
